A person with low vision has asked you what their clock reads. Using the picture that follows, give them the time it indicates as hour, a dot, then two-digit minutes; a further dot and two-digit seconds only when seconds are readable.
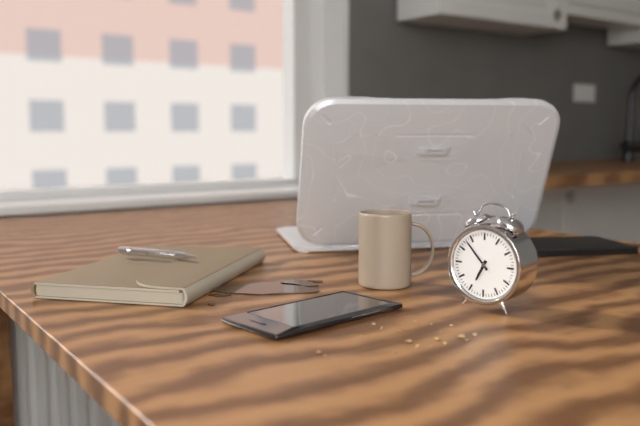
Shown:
6.53
